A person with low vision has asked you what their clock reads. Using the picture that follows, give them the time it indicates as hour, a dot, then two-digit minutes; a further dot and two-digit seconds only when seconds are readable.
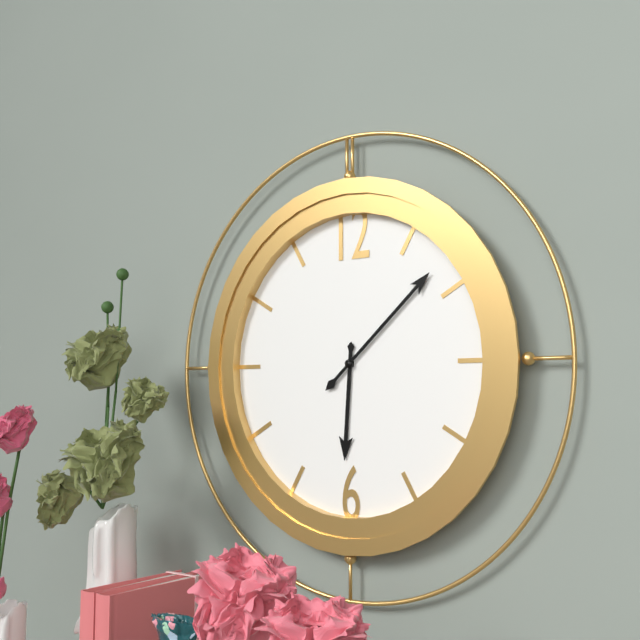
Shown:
6.08
